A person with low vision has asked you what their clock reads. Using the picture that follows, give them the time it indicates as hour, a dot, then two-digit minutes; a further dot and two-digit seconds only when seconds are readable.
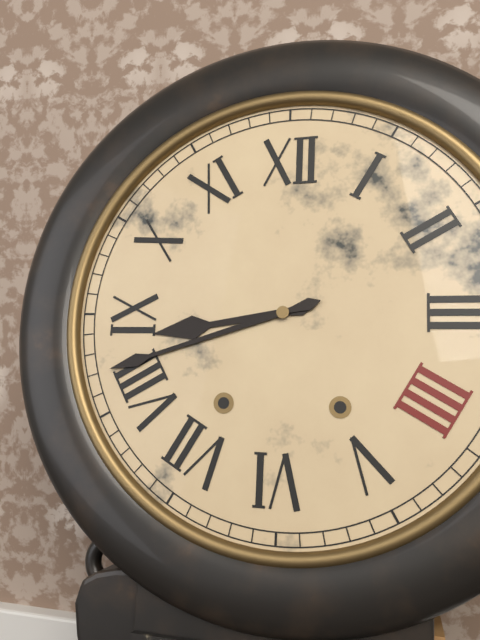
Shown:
8.42
